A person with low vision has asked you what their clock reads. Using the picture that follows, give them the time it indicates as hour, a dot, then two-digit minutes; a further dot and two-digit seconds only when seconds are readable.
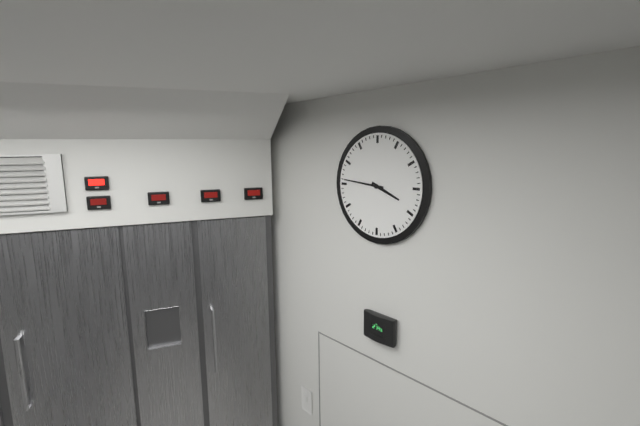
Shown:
3.46
